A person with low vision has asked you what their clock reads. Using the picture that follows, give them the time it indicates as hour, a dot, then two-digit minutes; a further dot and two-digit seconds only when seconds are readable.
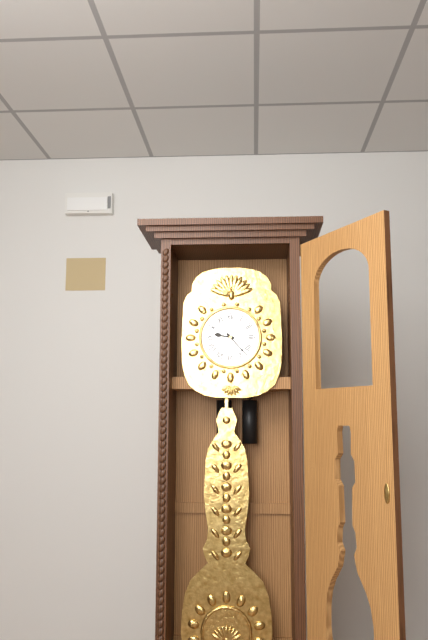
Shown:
9.23
